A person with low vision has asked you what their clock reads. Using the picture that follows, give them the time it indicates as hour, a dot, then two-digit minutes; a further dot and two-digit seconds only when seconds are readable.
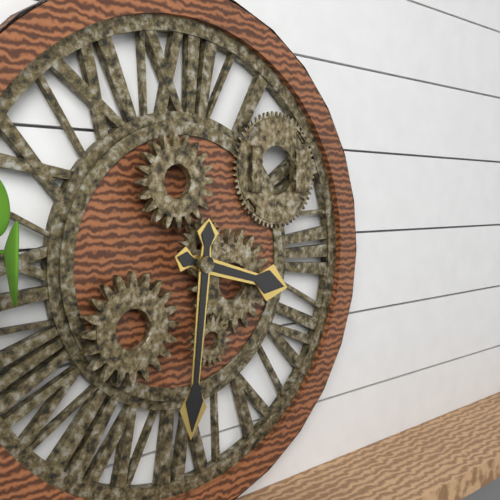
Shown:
3.31
